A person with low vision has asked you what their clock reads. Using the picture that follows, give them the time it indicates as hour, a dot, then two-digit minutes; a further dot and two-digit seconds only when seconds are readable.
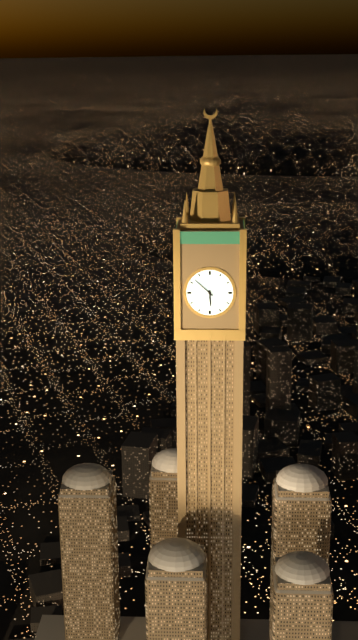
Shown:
5.52
